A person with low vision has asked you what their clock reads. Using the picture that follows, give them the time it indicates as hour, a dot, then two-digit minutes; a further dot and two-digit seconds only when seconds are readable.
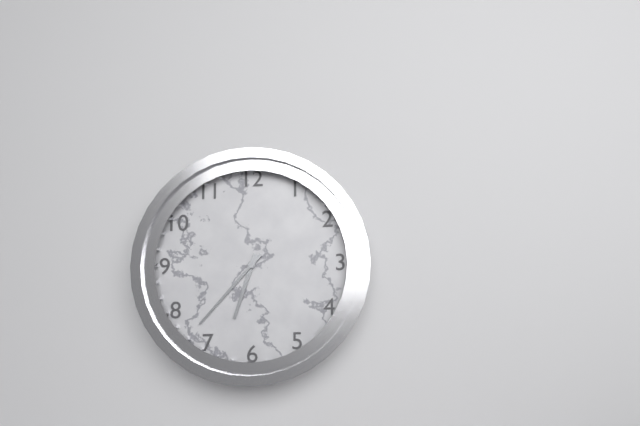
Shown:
6.37
